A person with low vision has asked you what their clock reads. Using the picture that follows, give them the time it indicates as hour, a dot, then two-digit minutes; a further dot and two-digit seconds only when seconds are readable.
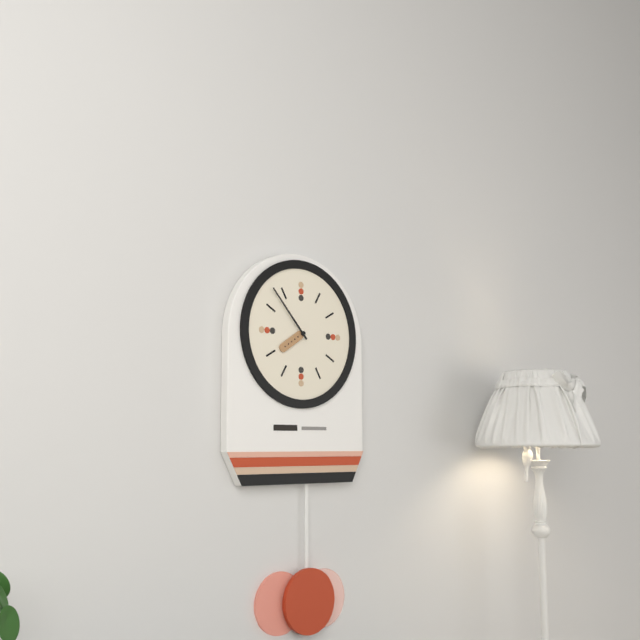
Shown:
7.53
